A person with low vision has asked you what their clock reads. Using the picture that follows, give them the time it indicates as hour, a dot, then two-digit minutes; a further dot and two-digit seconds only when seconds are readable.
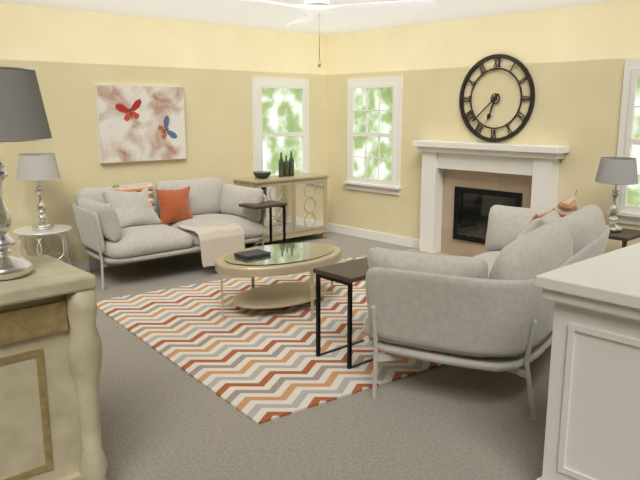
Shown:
6.38
